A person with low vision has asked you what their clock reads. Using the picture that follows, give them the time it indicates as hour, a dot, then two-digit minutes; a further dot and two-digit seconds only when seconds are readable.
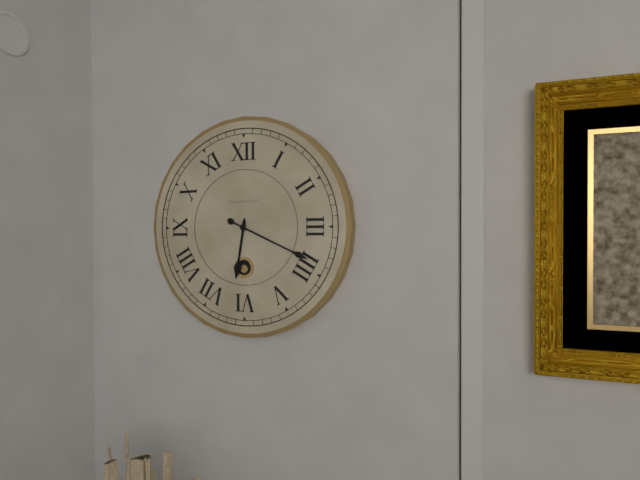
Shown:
6.19
